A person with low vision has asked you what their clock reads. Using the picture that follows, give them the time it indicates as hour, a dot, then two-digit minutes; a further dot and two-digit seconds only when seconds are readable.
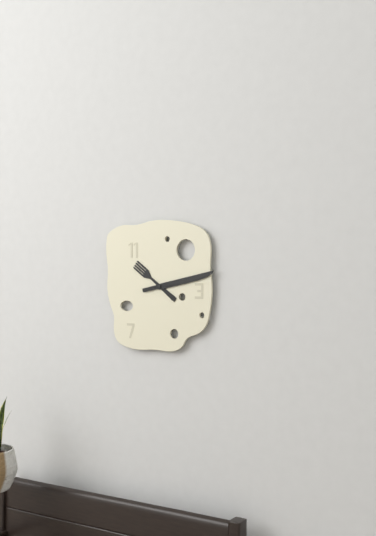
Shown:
10.13
